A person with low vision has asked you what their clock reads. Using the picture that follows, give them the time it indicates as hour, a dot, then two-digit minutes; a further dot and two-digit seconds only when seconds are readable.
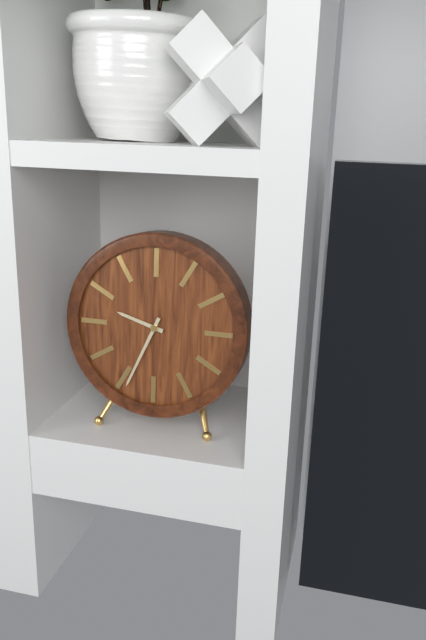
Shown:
9.34
